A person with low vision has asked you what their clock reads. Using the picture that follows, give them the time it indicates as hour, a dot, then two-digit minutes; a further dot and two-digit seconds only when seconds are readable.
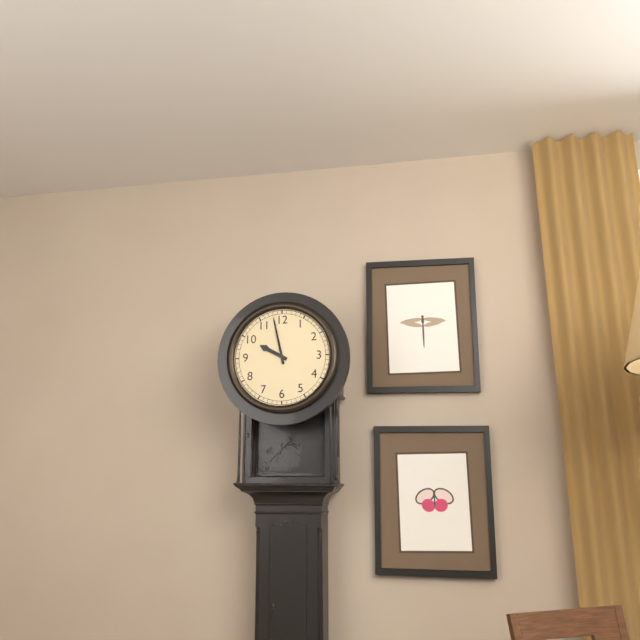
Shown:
9.58
